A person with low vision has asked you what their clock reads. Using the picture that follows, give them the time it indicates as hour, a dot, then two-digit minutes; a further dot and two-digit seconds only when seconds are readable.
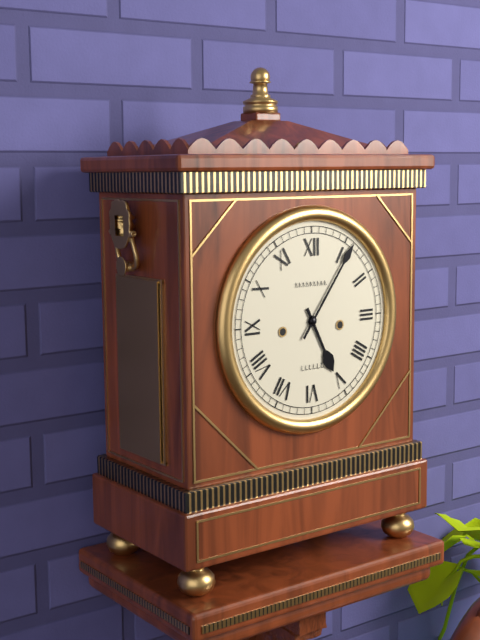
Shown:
5.06
